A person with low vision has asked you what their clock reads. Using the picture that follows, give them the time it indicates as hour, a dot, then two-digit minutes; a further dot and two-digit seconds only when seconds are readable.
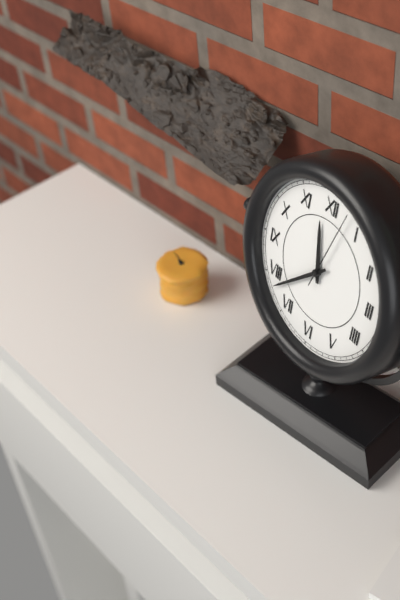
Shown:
11.38.03
